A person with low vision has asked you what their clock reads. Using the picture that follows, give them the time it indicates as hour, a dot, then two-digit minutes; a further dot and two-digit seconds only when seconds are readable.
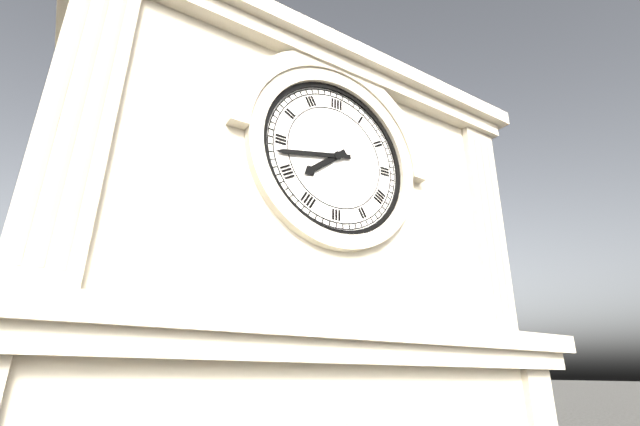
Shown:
7.43
